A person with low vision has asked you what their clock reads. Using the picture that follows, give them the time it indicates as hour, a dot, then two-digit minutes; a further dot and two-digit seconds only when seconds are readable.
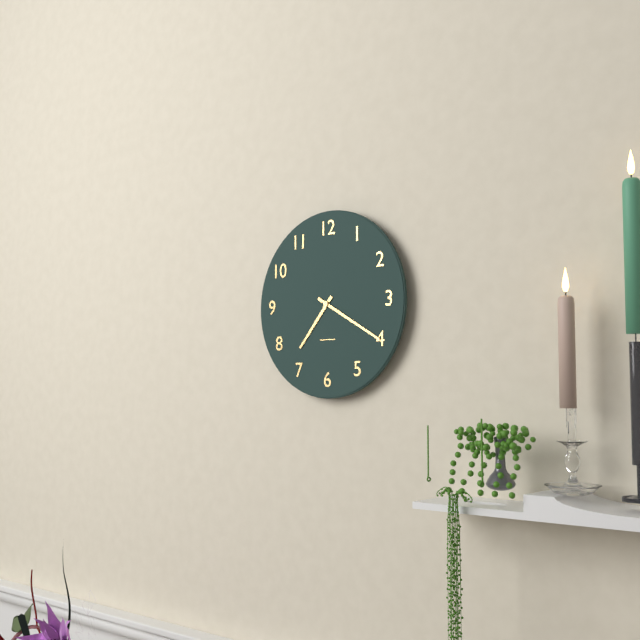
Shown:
7.20
